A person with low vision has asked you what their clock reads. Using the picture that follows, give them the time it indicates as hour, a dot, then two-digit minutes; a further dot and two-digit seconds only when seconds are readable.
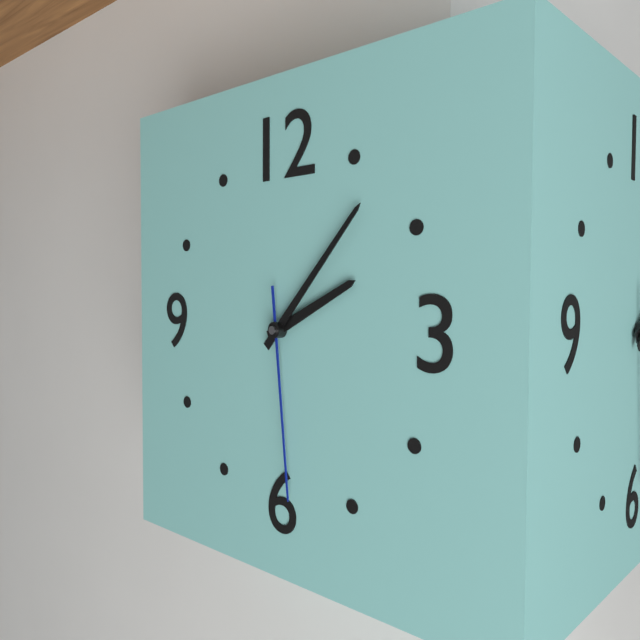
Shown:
2.07.29
